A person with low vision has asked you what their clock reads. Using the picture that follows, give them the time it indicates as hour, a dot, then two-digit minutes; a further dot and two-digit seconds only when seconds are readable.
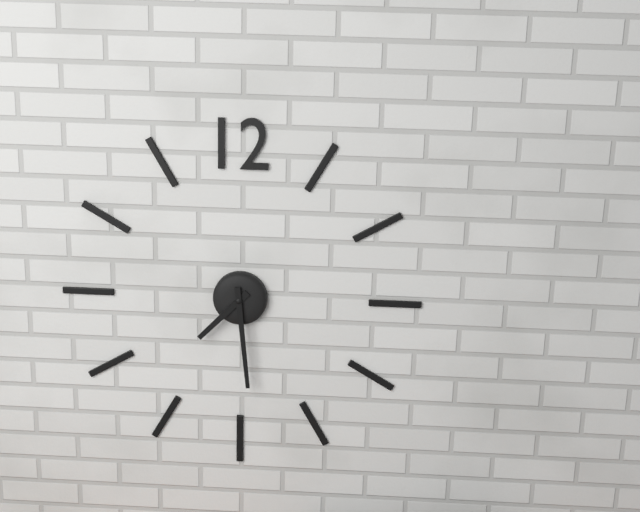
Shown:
7.29
